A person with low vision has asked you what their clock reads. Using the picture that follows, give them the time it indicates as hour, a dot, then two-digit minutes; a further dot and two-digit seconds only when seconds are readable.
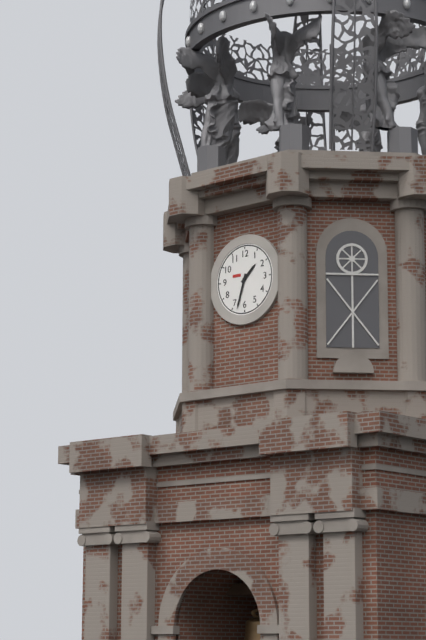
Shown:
1.33
